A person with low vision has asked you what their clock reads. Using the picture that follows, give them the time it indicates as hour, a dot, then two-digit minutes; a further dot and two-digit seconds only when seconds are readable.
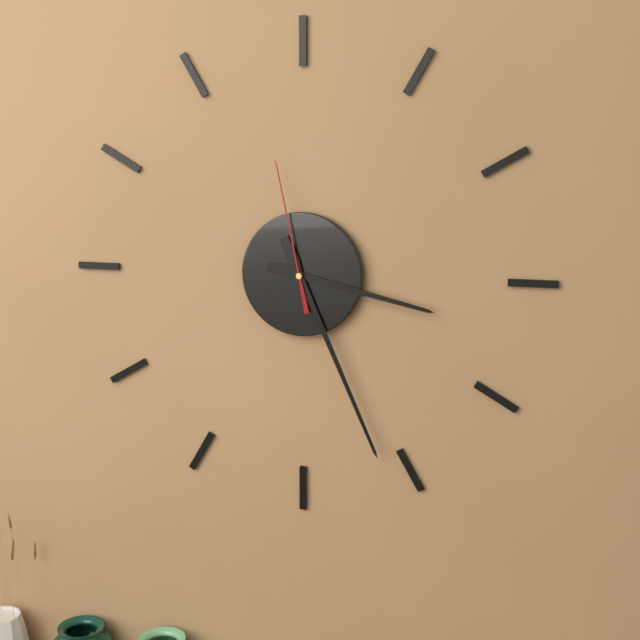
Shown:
3.26.58
